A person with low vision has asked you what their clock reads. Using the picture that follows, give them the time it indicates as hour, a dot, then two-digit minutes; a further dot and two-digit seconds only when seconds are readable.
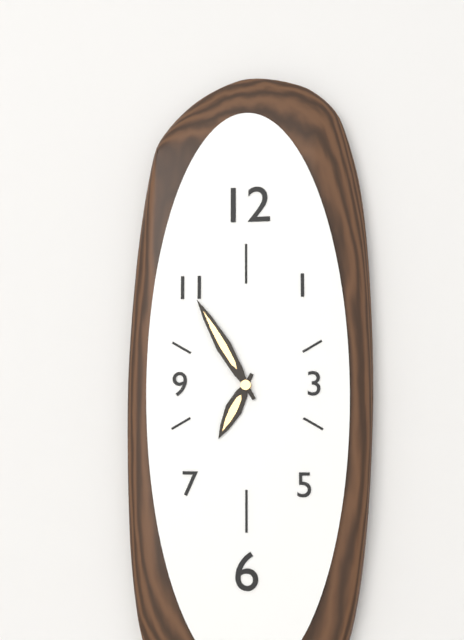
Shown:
6.55
